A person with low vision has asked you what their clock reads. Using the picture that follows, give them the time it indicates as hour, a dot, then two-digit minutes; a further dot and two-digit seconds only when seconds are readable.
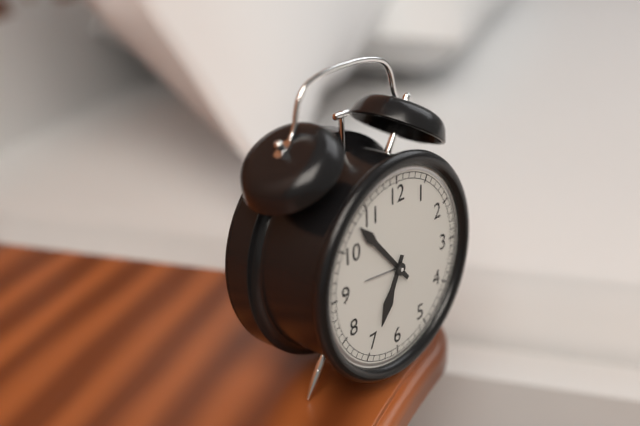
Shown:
6.53
